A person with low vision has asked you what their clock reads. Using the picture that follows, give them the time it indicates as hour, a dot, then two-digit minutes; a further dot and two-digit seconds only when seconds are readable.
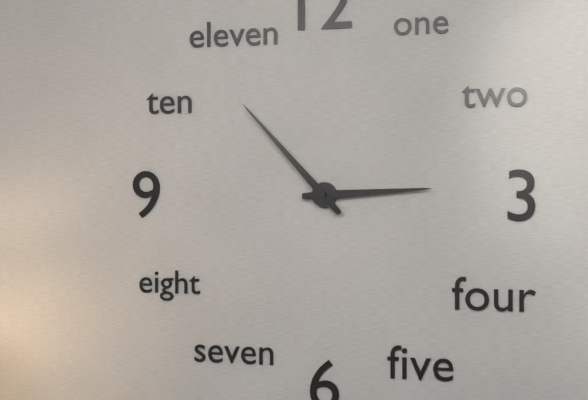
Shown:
2.53
